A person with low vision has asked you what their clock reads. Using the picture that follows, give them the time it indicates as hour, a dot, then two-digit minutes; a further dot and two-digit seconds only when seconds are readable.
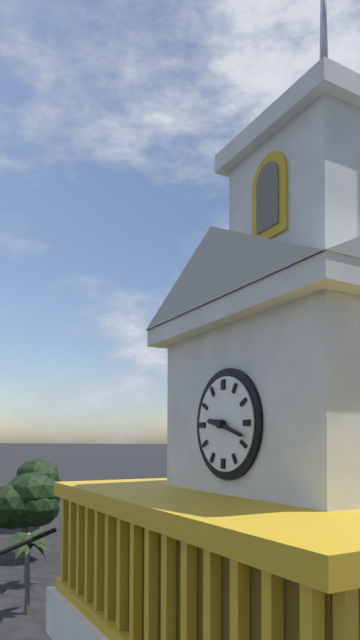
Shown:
9.18
